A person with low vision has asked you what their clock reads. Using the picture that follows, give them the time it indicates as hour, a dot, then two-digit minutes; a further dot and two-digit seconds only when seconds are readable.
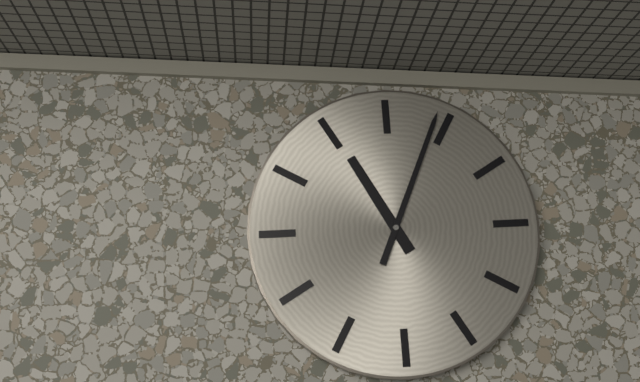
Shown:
11.04
